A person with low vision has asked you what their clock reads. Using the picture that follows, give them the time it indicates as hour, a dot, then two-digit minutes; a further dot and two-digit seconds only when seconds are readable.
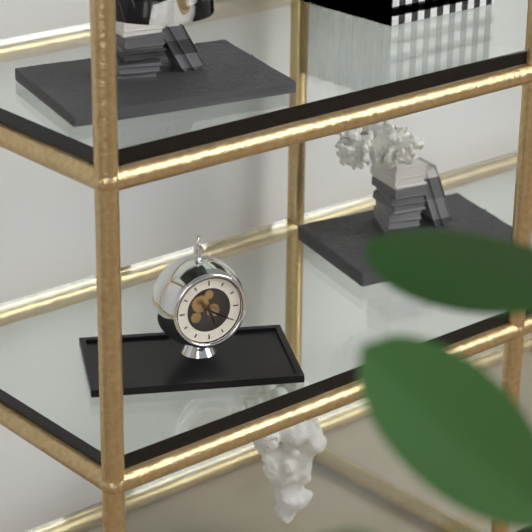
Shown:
5.20
